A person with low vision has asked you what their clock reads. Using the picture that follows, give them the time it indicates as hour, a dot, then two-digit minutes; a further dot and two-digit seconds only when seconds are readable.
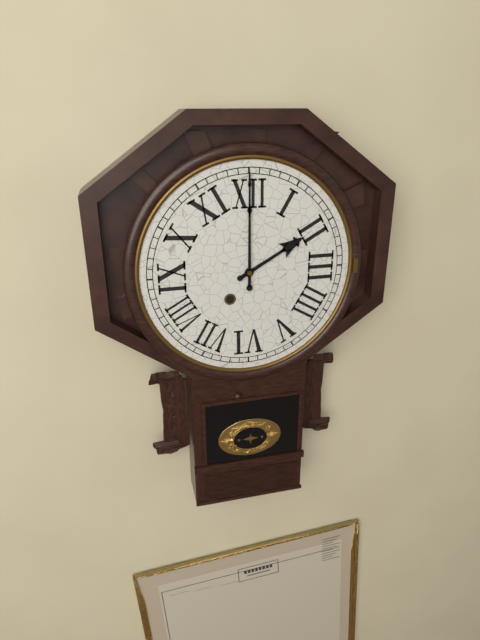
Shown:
2.00
